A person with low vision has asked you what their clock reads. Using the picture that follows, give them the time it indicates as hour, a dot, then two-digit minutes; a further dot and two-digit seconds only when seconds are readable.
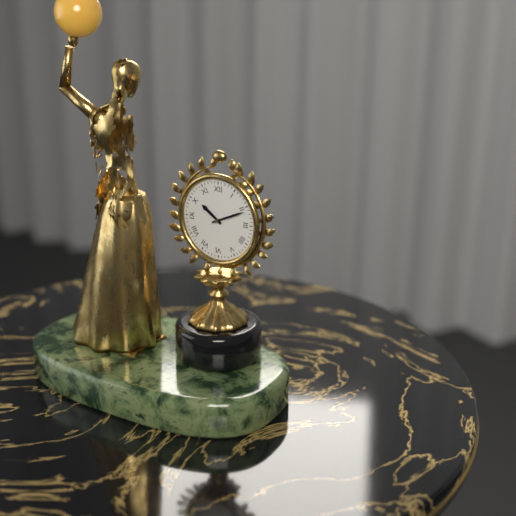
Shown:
10.11
